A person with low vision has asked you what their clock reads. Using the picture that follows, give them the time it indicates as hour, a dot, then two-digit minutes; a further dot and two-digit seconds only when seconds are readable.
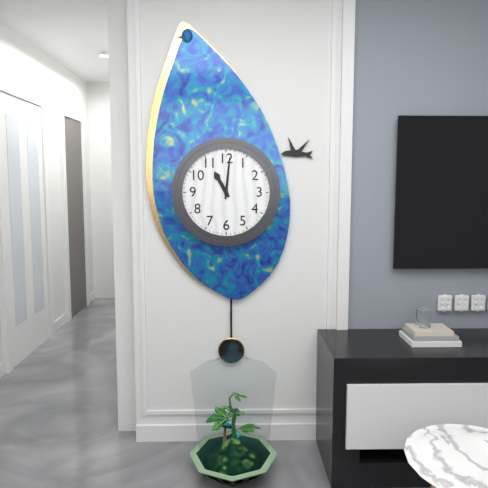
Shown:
11.01
